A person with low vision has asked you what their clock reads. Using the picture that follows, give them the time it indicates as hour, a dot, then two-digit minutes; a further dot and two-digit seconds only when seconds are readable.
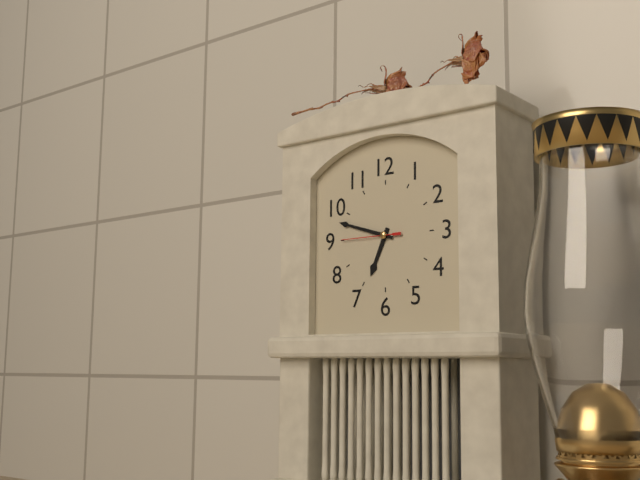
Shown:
6.48.45
